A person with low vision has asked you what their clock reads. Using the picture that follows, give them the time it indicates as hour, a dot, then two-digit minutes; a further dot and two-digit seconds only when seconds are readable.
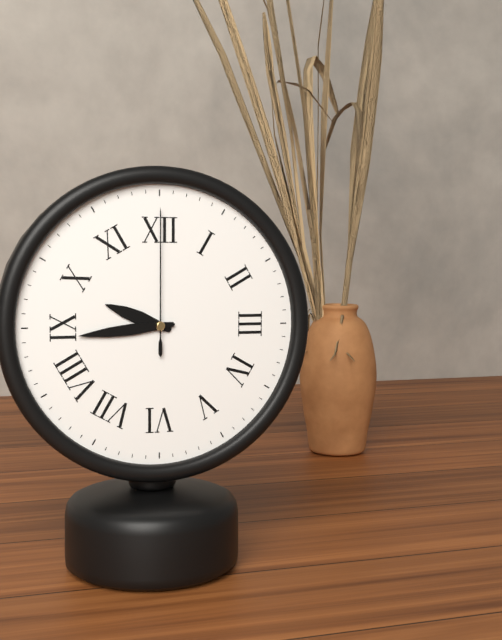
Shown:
9.44.00
